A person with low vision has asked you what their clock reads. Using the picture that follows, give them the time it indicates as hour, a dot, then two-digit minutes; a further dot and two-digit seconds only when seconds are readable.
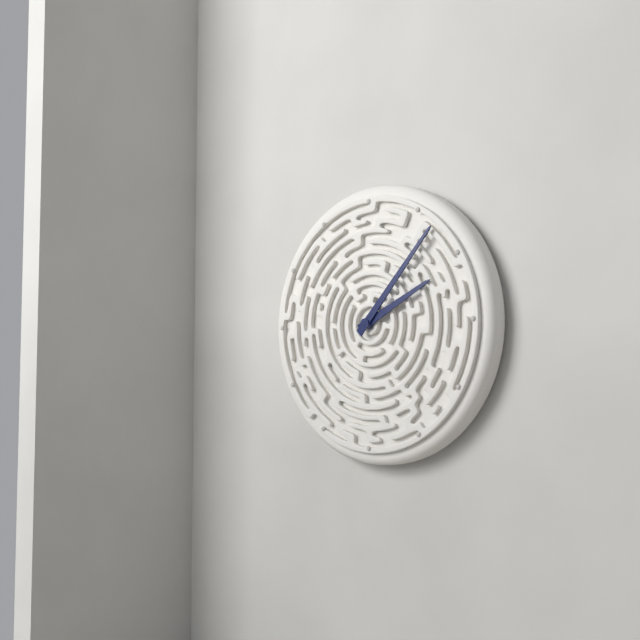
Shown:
2.07
